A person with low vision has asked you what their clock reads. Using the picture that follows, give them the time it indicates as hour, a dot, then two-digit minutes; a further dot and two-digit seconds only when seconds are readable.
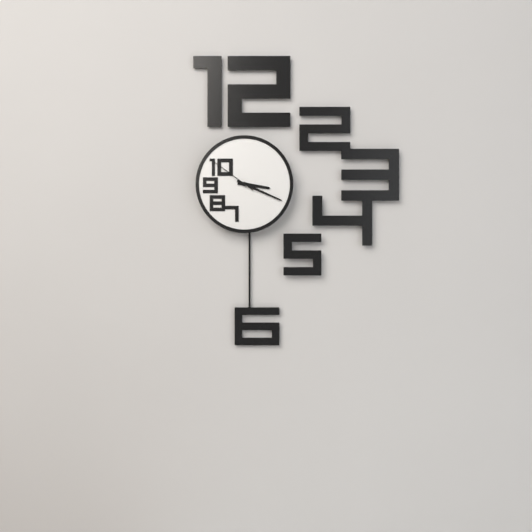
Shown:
3.19.51
